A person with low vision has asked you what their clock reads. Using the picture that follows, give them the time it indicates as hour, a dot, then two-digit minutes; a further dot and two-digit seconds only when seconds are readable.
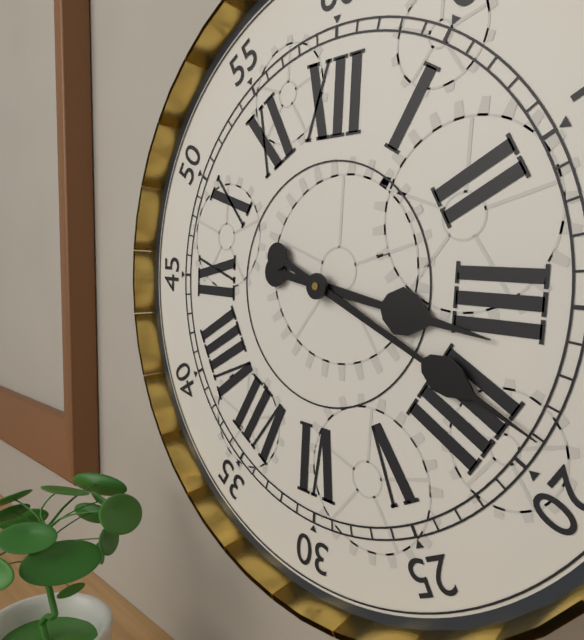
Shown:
3.19
